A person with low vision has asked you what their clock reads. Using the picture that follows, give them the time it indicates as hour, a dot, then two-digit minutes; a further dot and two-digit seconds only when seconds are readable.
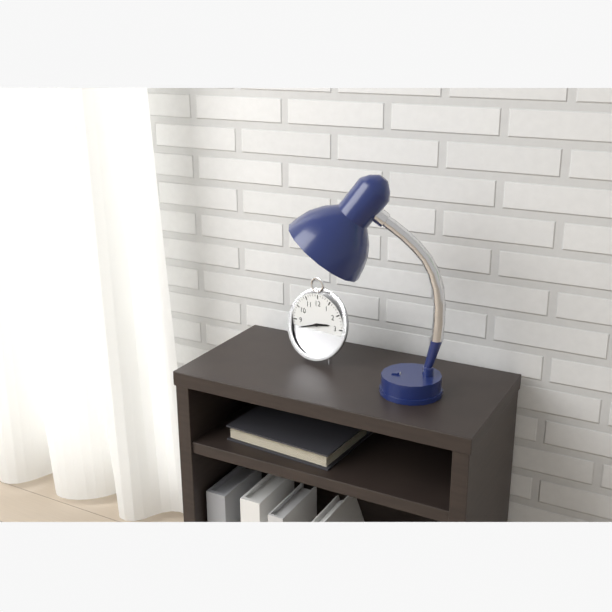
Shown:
2.42
